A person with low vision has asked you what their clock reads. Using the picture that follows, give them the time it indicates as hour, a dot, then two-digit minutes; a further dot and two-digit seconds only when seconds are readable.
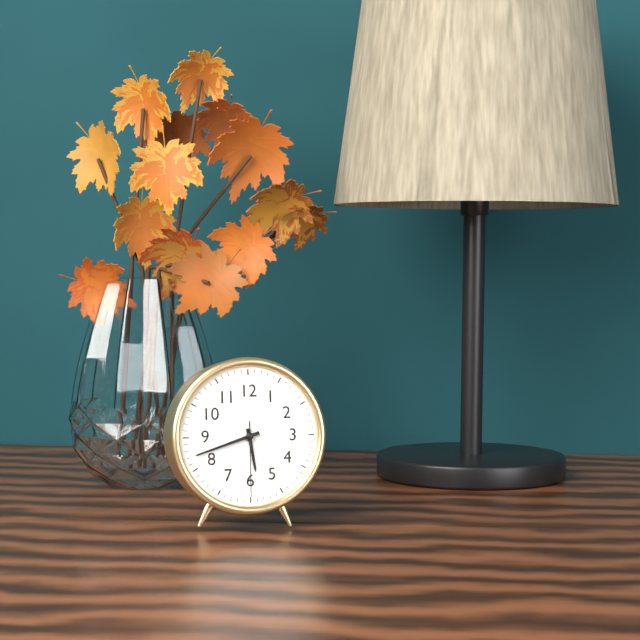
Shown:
5.42.30
